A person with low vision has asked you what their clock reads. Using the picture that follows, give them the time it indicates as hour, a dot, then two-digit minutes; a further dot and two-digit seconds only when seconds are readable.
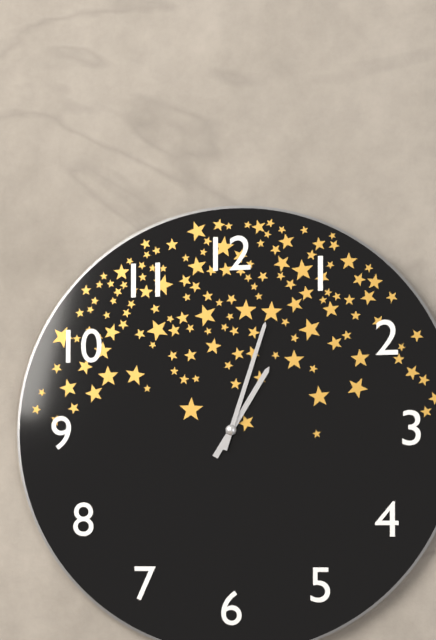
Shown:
1.03
